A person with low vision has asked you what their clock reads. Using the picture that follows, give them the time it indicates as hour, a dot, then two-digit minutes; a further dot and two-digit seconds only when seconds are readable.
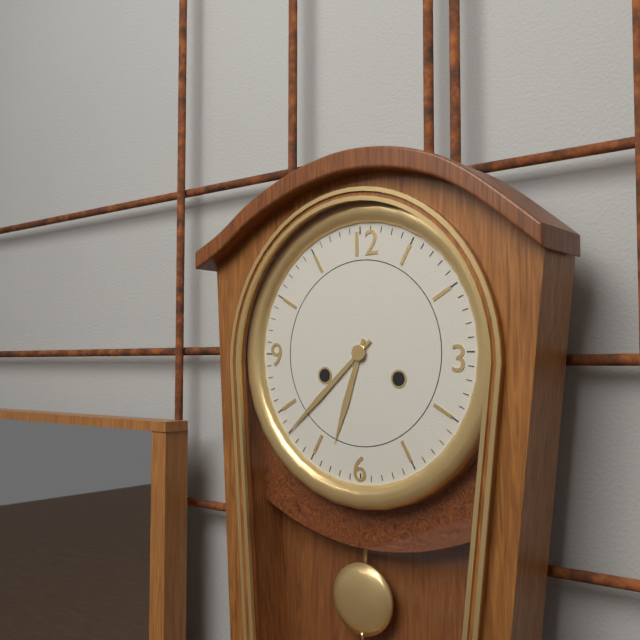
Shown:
6.38
